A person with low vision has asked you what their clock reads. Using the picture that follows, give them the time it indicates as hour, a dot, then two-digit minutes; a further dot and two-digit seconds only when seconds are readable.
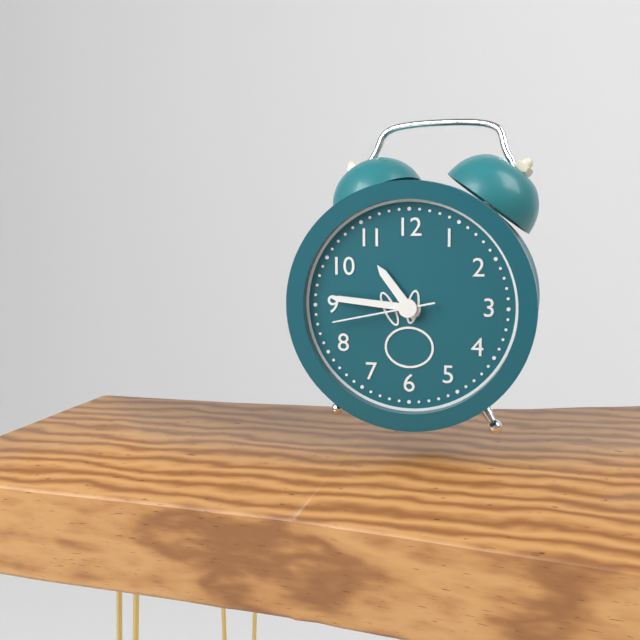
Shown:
10.46.43
